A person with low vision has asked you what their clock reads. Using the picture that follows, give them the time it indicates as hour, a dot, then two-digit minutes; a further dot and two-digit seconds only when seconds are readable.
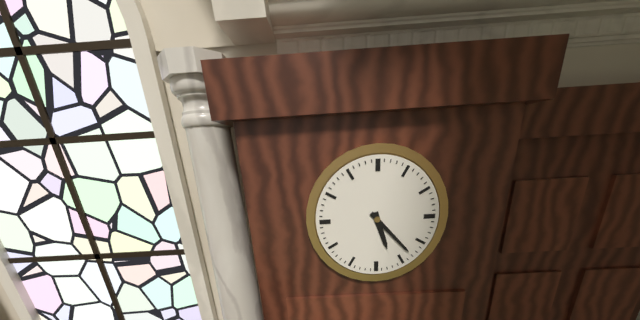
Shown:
5.23
